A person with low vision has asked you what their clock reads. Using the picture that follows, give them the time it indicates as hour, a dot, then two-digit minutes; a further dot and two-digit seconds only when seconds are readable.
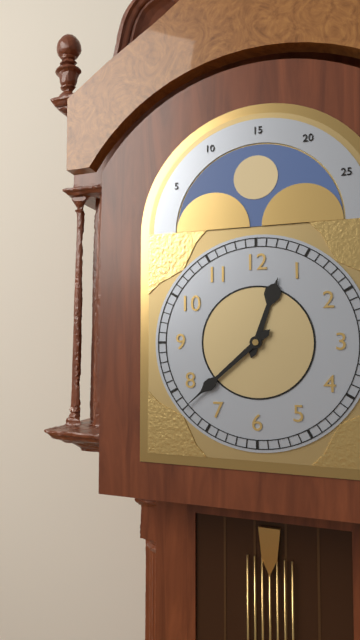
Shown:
12.38
